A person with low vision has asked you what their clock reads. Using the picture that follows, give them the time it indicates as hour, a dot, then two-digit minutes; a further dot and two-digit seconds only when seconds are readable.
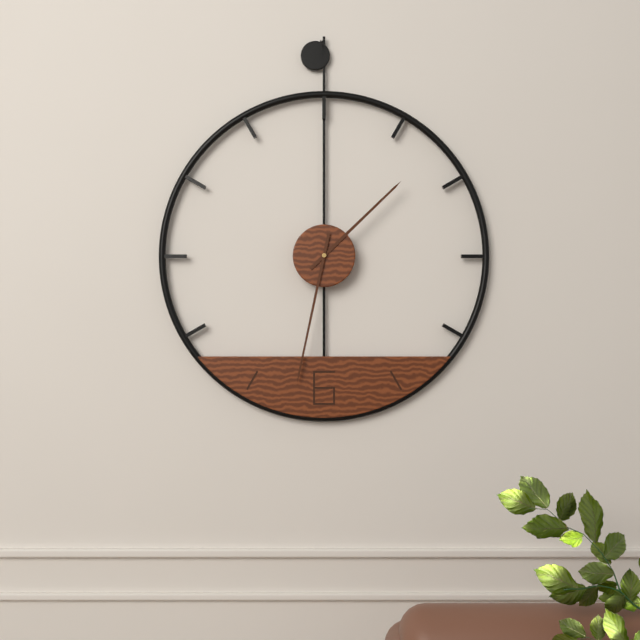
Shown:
1.32
